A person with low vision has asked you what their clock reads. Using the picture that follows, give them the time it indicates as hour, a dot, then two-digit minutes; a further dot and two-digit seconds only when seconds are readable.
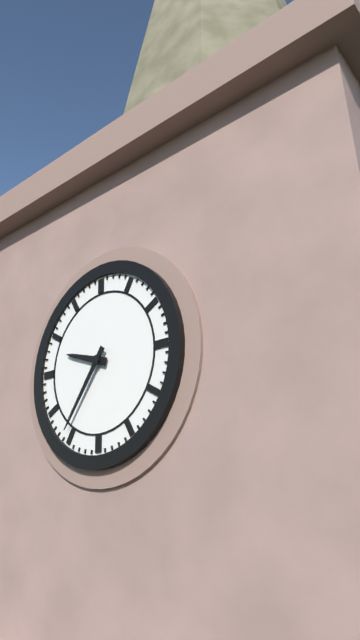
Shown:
9.36
